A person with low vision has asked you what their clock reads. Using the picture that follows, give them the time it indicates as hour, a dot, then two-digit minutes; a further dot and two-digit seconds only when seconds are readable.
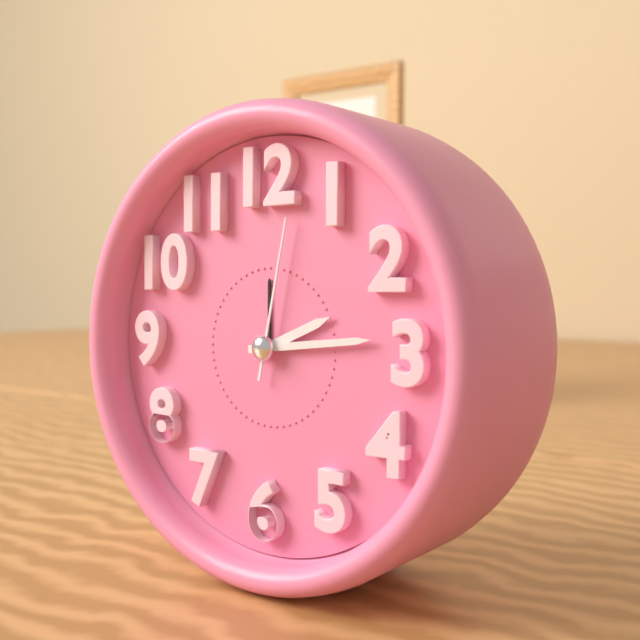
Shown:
2.14.02
